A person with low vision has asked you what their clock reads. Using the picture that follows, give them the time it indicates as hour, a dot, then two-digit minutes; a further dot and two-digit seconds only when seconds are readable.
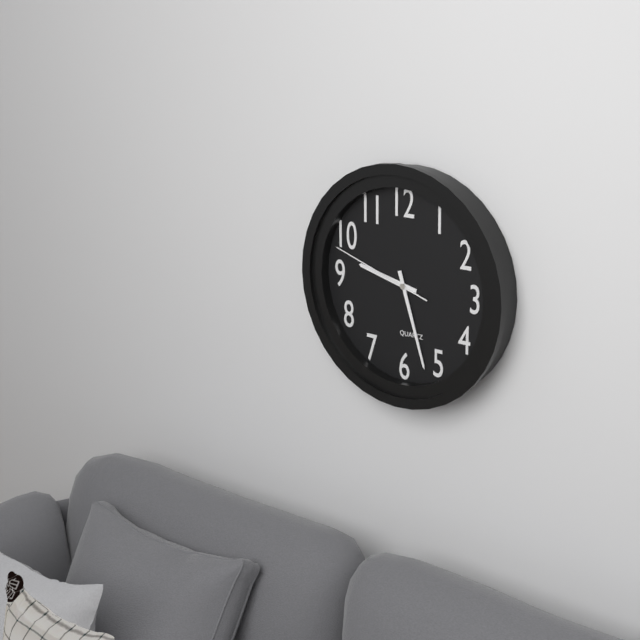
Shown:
9.27.48
